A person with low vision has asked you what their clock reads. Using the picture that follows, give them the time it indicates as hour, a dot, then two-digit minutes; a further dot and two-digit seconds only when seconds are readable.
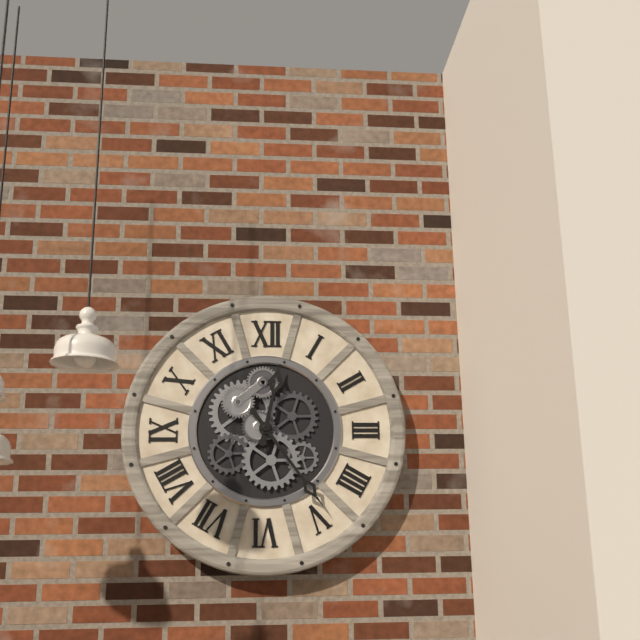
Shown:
12.24
